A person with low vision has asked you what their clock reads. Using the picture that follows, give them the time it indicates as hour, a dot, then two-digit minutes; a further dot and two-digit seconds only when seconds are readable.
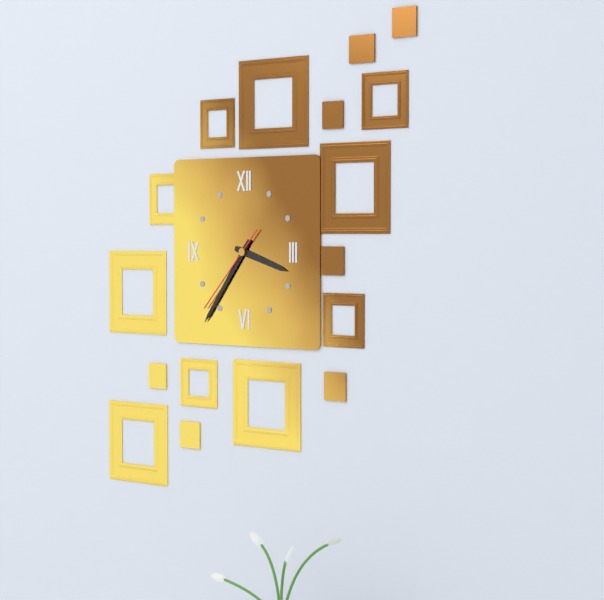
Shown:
3.36.37
